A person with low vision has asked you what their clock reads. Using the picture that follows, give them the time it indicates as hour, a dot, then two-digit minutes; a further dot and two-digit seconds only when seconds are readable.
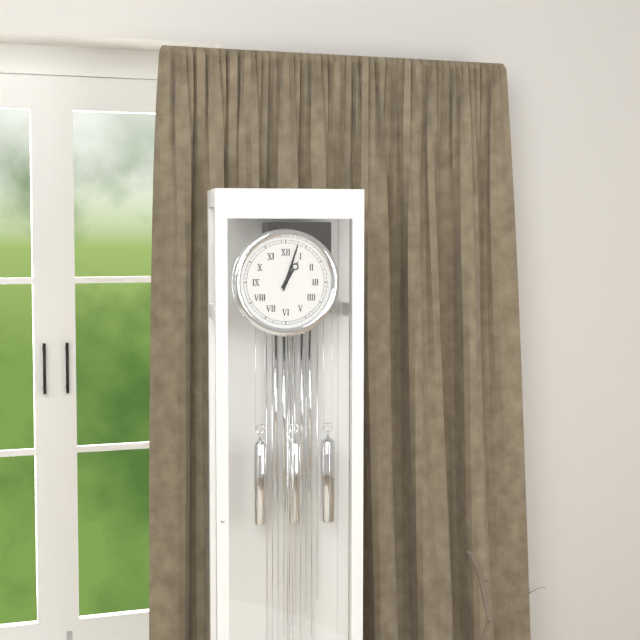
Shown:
1.03
